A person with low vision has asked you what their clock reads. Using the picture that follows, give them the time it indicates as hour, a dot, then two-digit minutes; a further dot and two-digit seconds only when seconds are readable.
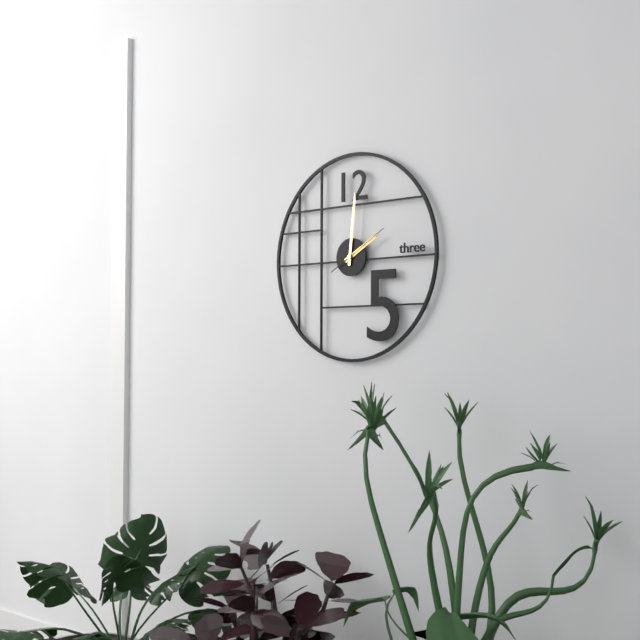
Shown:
2.01.10
